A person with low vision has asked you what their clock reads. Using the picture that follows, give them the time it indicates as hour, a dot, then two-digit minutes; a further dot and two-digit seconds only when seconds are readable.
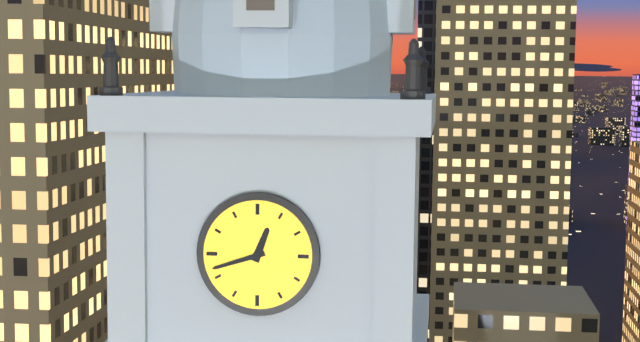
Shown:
12.42
